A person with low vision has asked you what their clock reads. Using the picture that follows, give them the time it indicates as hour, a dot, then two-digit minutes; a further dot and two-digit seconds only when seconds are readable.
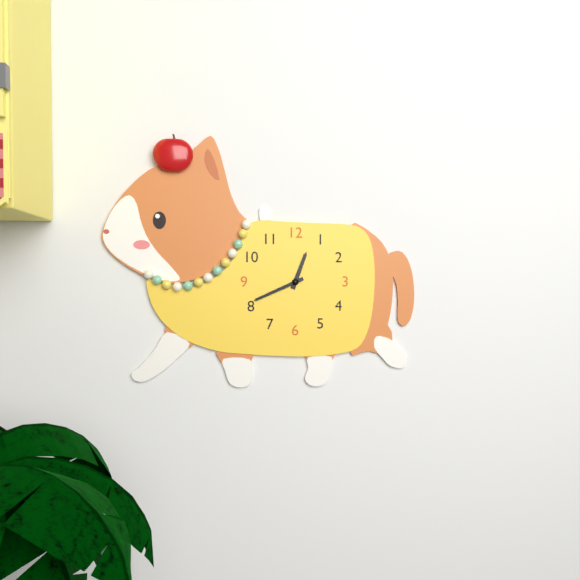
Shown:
12.41
